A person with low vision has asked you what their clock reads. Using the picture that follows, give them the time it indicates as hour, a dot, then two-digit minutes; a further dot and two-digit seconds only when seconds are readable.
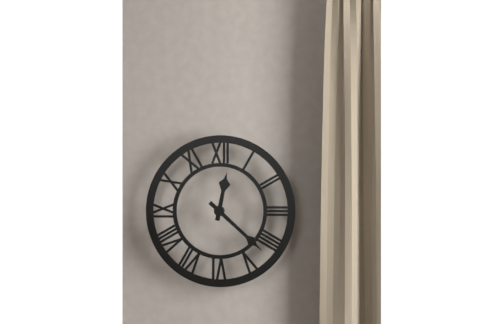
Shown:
12.22
